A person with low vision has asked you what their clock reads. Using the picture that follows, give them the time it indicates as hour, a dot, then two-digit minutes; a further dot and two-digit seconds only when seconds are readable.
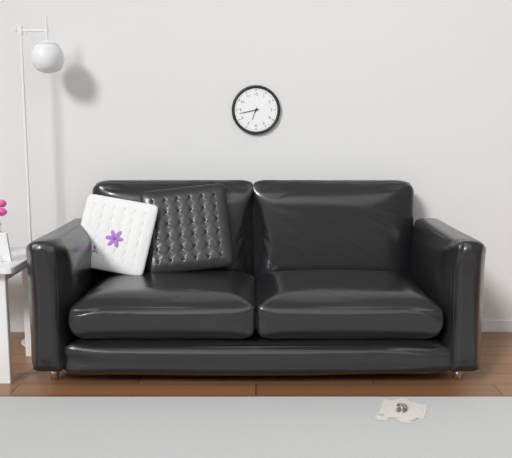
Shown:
6.43
